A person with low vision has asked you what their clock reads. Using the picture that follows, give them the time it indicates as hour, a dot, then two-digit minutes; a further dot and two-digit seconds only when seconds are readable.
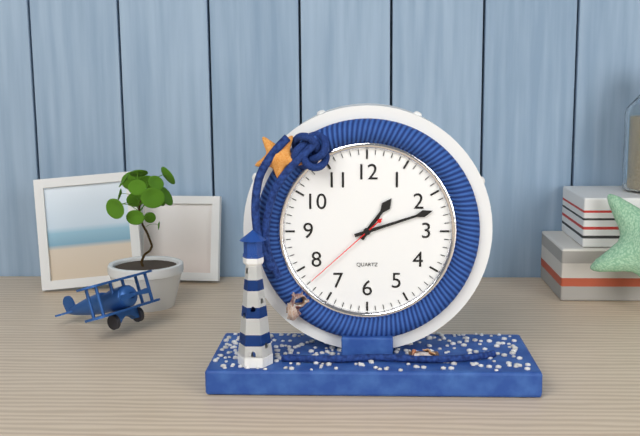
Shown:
1.12.38
